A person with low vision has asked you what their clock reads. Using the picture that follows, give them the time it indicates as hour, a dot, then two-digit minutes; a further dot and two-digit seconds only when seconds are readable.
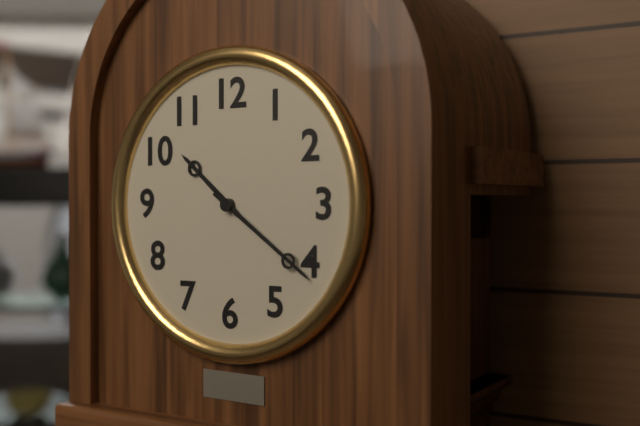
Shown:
10.21
